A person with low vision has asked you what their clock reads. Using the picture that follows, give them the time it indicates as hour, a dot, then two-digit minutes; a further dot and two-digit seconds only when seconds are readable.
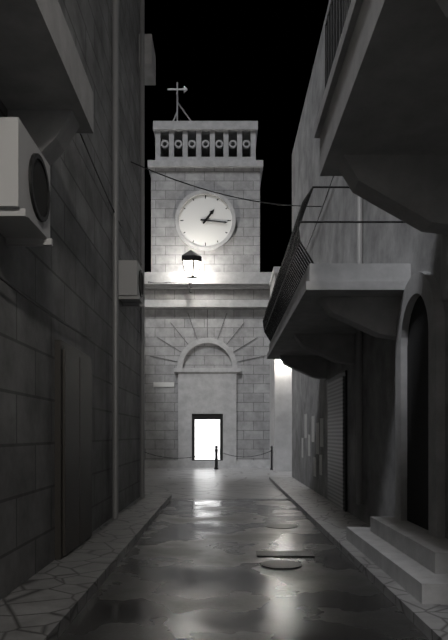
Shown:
1.16
